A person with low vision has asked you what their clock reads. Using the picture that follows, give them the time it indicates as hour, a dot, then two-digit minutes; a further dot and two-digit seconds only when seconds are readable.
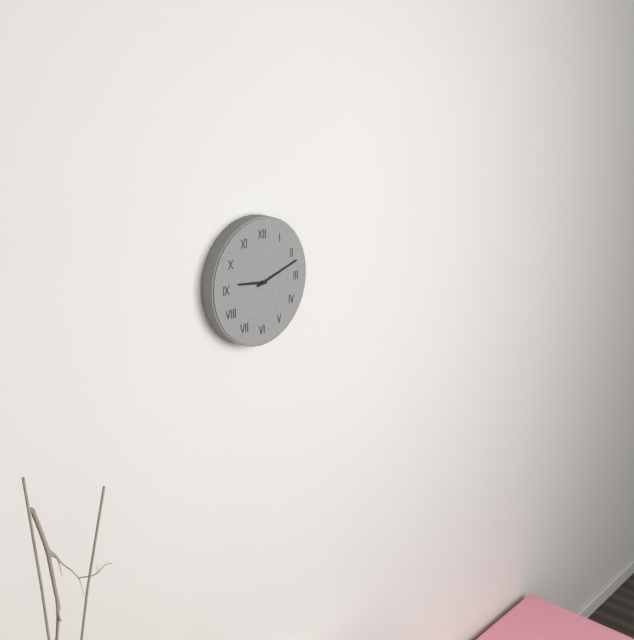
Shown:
9.12
